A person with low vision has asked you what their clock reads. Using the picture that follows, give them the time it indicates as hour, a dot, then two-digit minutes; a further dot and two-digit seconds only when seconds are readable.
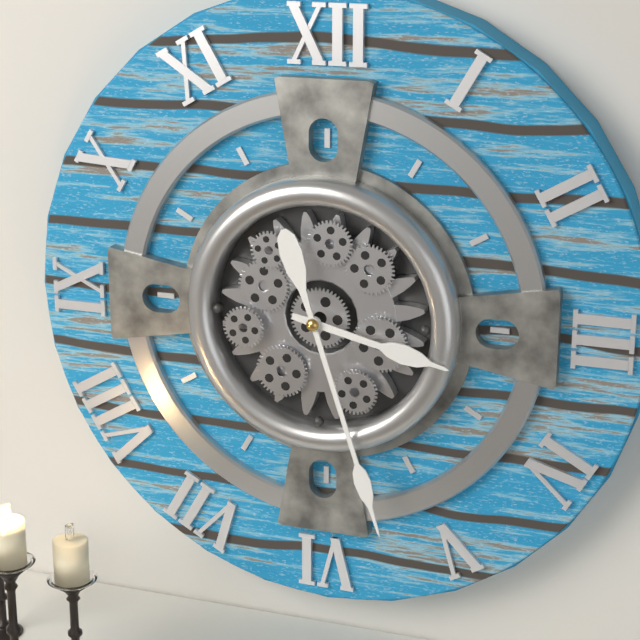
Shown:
3.27
